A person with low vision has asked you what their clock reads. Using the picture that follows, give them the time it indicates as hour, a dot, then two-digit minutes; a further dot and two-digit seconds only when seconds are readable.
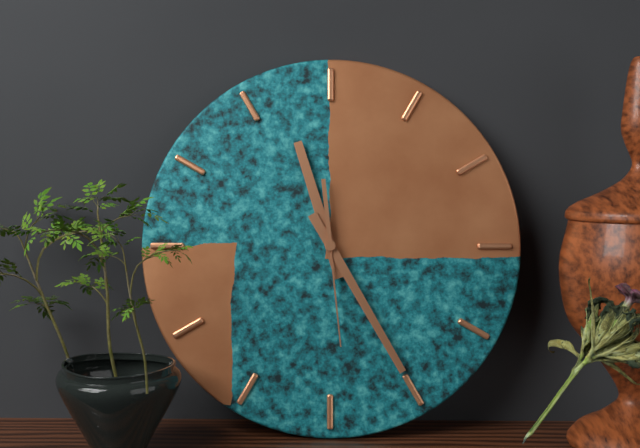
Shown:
11.25.29
